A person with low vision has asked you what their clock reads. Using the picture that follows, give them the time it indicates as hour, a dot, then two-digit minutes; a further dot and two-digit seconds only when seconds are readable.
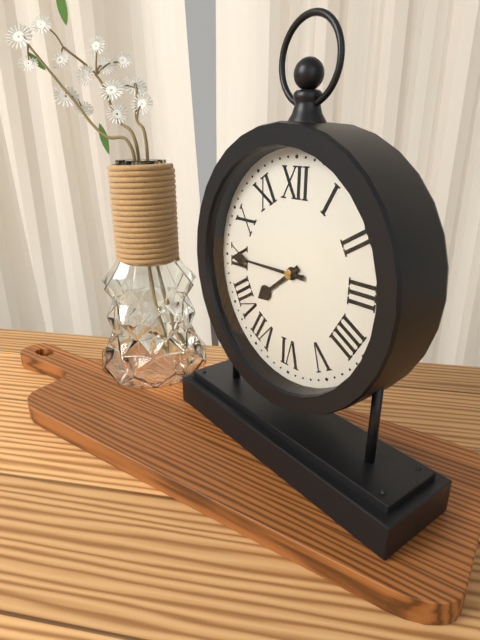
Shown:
7.45
